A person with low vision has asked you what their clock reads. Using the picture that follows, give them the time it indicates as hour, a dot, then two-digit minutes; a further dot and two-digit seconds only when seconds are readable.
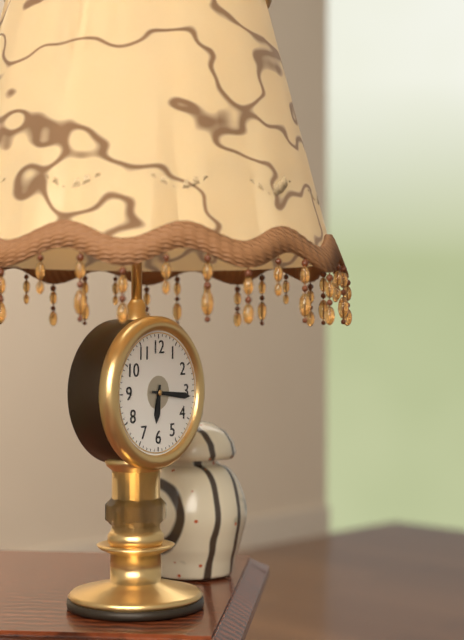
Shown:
6.16
